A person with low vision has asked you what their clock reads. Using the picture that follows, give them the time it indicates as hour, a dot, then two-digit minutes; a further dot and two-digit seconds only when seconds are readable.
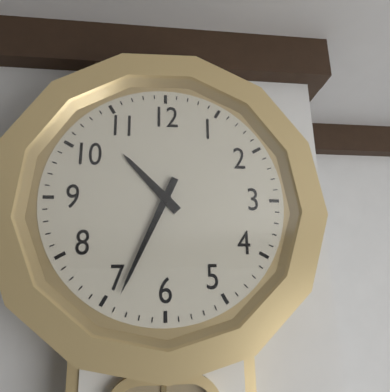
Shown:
10.34
